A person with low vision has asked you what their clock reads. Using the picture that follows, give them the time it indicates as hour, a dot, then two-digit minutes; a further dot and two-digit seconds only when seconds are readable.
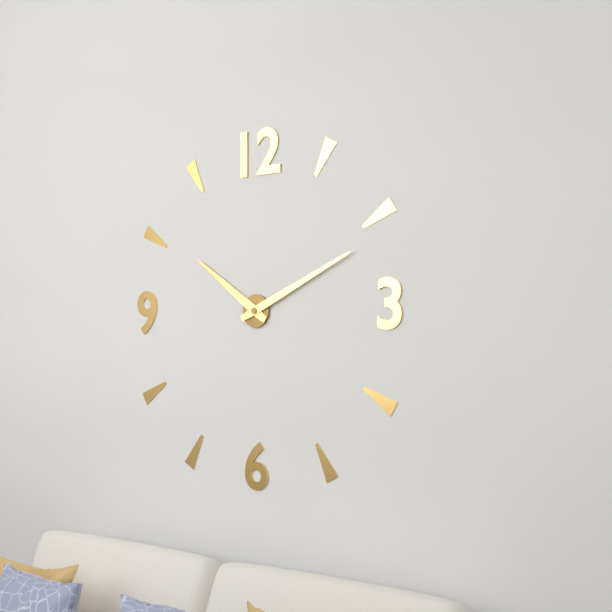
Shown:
10.11
